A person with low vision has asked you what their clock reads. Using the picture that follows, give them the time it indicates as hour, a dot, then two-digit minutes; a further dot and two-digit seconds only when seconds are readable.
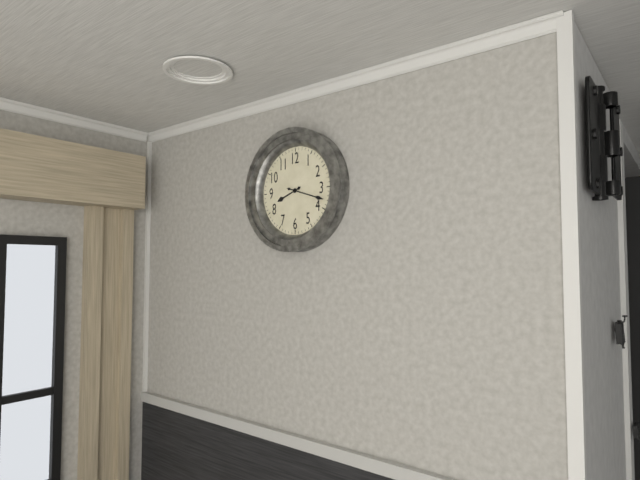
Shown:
8.18
